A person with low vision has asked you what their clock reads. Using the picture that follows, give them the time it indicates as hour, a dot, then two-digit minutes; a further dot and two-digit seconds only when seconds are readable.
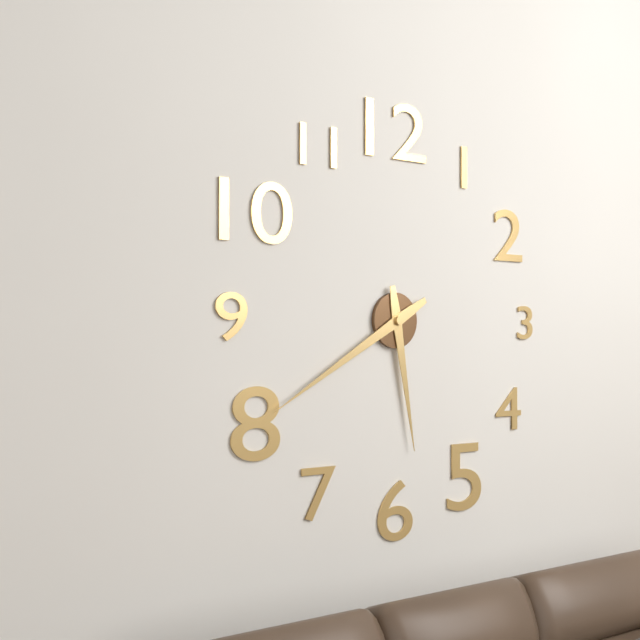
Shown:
5.40
